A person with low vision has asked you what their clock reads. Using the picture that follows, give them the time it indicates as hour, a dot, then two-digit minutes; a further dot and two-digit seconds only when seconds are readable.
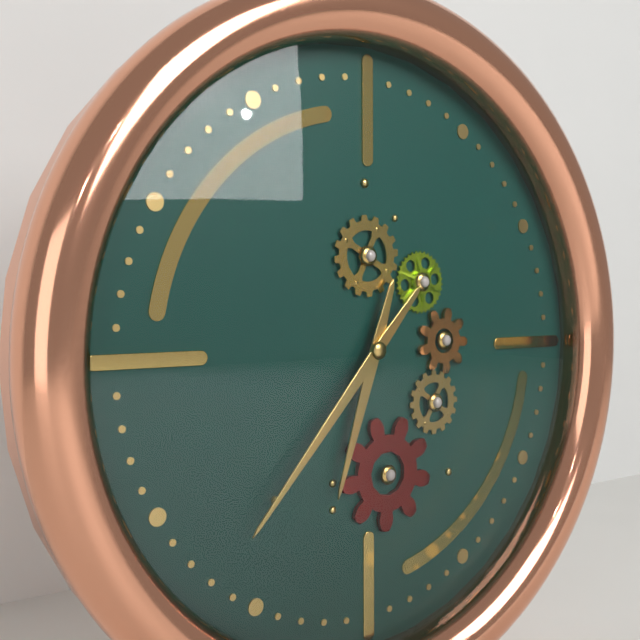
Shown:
6.37
